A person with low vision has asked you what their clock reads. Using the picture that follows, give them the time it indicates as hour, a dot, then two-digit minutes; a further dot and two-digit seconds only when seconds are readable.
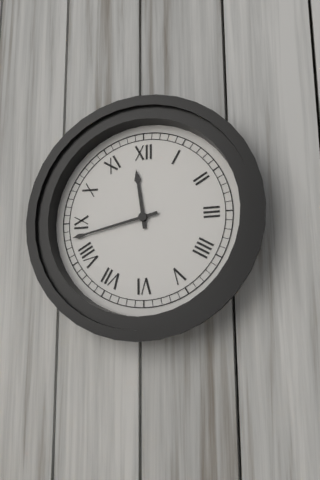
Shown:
11.43
